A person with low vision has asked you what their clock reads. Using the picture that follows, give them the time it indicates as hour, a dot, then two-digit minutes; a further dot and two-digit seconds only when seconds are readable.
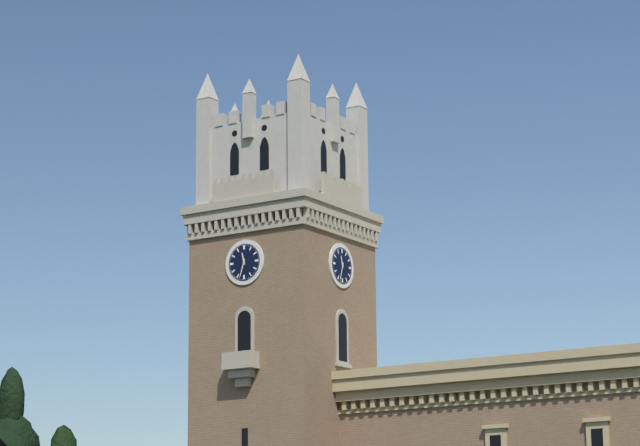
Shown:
11.33
